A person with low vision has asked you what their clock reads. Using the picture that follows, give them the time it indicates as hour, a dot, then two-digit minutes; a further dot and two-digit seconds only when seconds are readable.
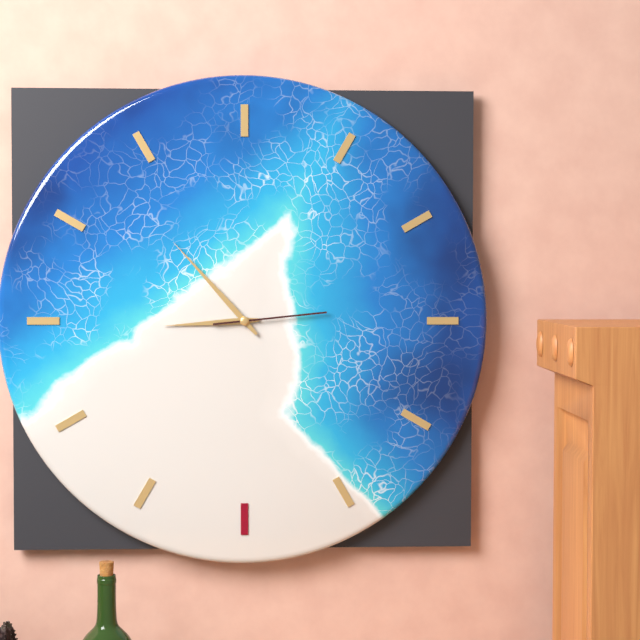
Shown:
8.53.14
